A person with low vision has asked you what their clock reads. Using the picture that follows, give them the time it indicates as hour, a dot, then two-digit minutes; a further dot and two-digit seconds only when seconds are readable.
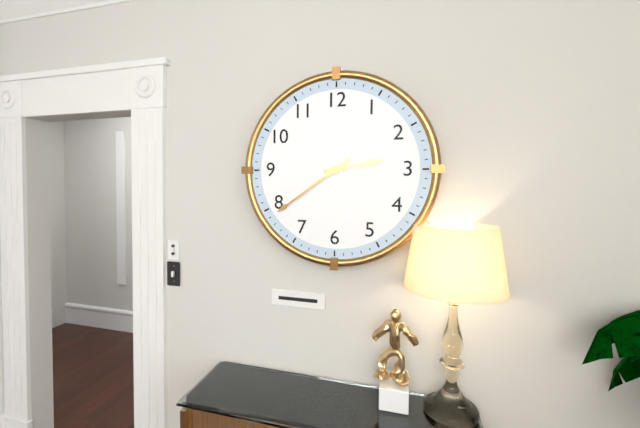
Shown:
2.39
